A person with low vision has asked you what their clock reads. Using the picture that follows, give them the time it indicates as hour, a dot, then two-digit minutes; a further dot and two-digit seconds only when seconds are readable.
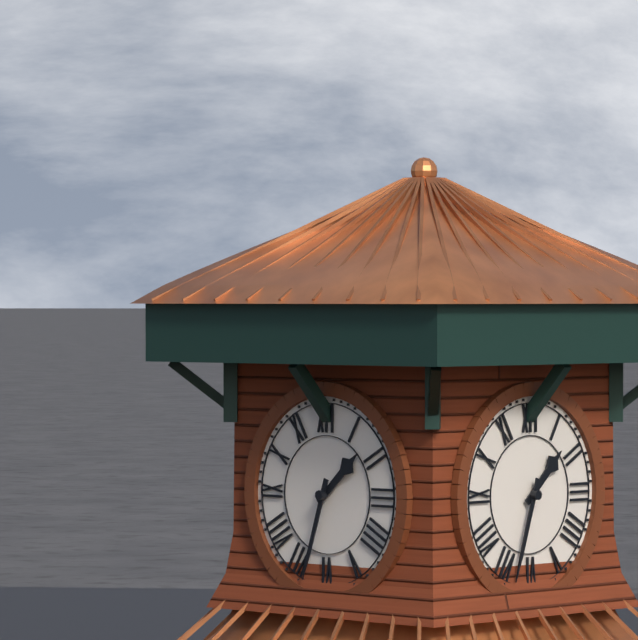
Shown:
1.33
